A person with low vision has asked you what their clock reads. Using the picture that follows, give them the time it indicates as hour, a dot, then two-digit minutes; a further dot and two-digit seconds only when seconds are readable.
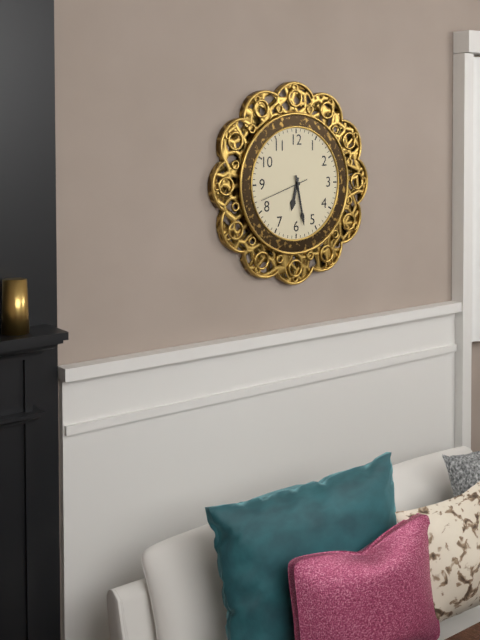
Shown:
6.28
